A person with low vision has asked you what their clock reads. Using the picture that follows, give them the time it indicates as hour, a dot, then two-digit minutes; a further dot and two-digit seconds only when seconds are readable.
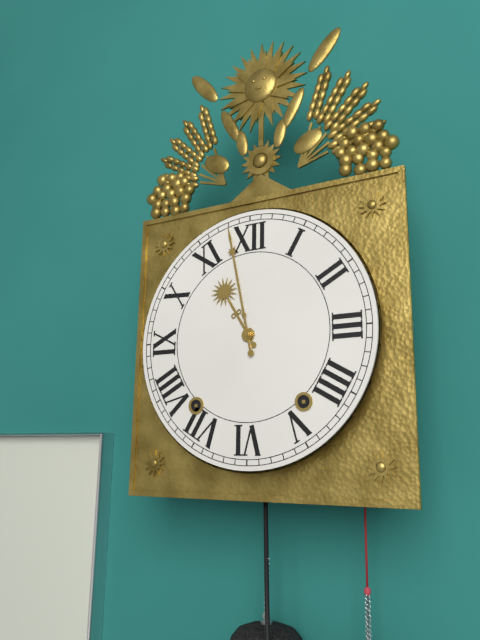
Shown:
10.58
